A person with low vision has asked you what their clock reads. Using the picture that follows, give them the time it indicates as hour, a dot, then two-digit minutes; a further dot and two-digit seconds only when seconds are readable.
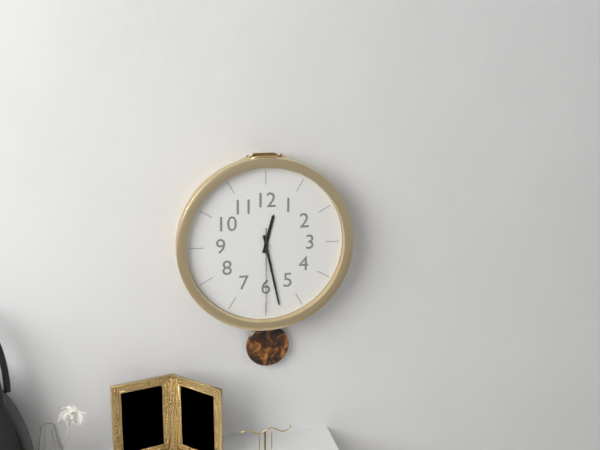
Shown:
12.28.30
